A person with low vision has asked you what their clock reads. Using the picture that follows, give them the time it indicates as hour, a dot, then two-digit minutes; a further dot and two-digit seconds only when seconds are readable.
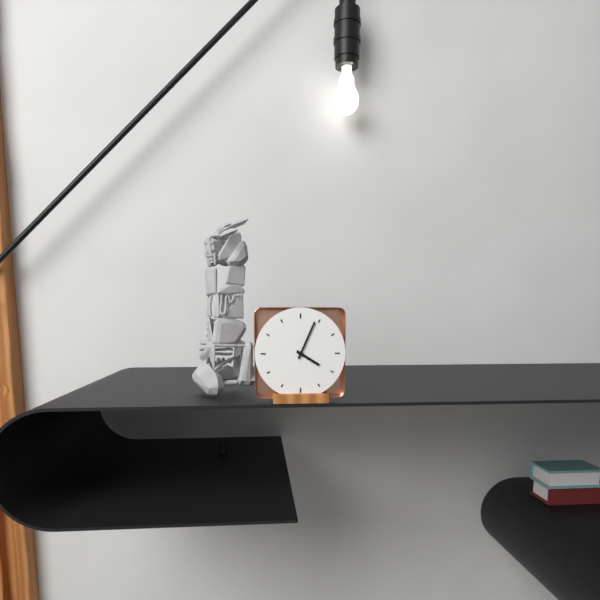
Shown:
4.04
